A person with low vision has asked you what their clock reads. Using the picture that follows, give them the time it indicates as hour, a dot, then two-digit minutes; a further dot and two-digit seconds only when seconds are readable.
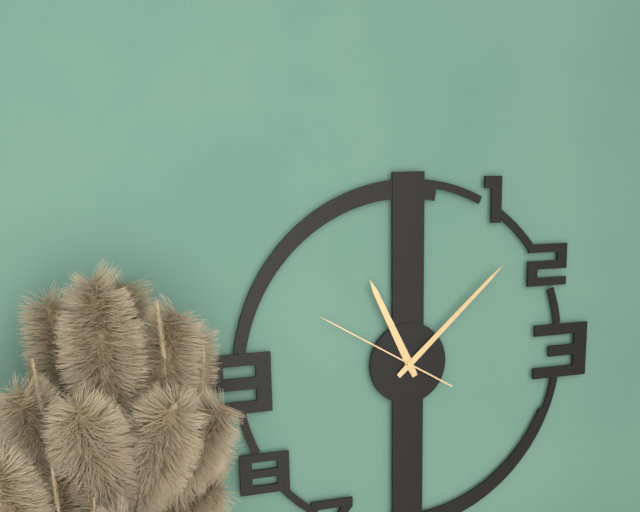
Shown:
11.08.50
